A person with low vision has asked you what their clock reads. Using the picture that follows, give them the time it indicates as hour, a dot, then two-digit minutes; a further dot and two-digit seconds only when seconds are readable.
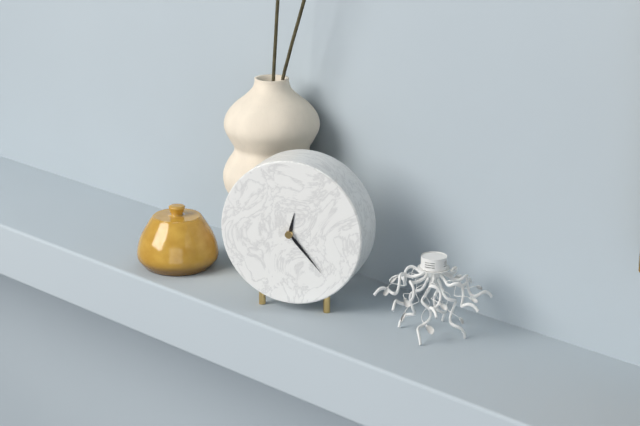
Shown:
12.23
